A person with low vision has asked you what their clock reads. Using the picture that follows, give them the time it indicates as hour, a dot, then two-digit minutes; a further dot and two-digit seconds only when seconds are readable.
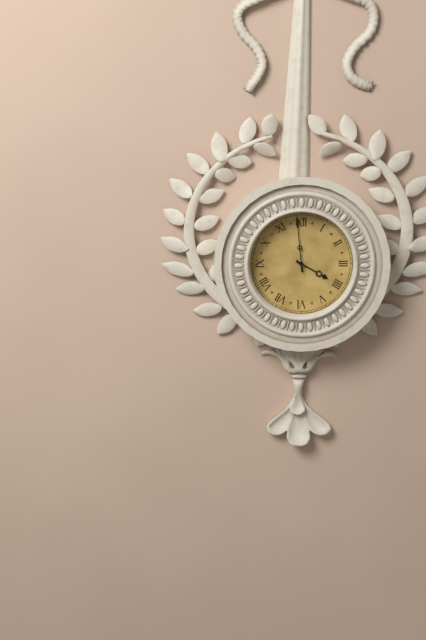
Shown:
3.59
